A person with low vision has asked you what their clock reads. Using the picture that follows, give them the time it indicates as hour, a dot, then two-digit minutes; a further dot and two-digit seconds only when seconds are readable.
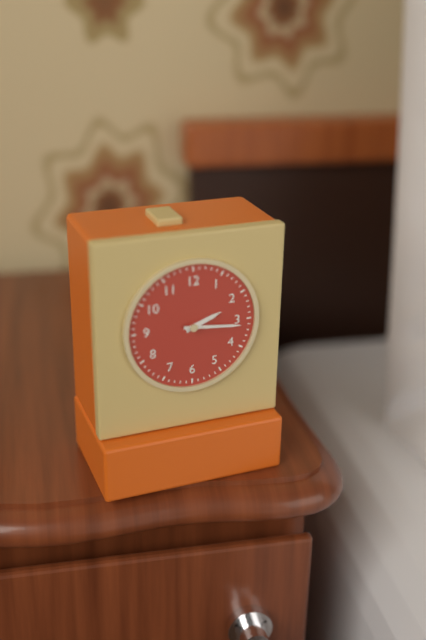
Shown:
2.16
